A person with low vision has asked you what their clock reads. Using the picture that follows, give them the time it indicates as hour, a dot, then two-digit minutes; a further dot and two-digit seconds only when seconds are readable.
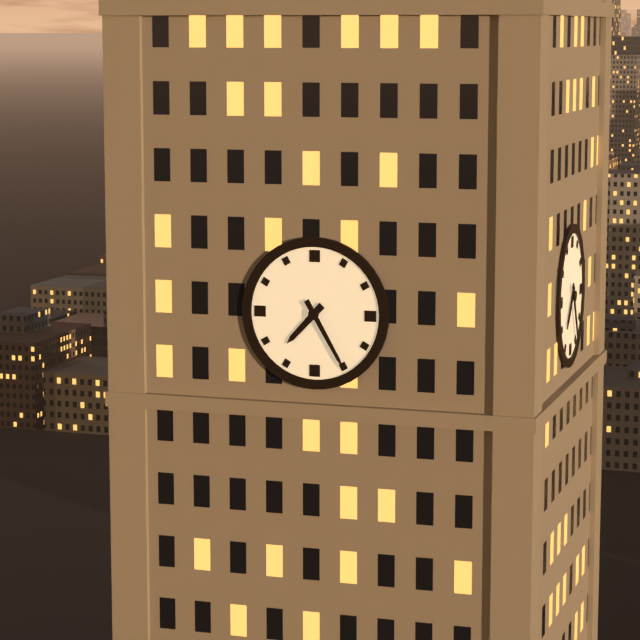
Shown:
7.25
